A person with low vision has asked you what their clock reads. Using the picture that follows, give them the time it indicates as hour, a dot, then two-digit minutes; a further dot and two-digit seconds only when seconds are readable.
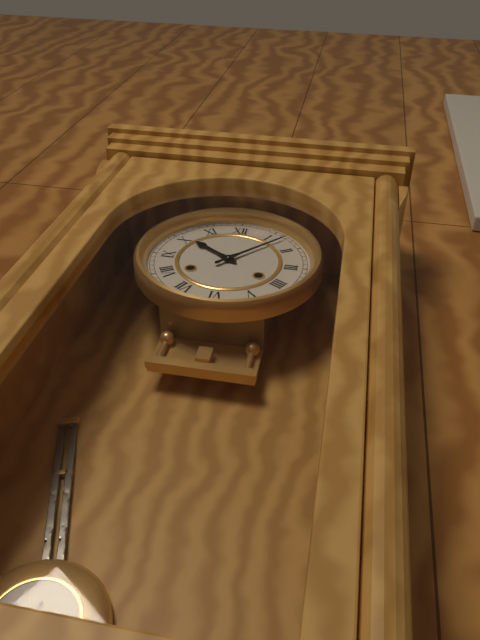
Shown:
10.07
